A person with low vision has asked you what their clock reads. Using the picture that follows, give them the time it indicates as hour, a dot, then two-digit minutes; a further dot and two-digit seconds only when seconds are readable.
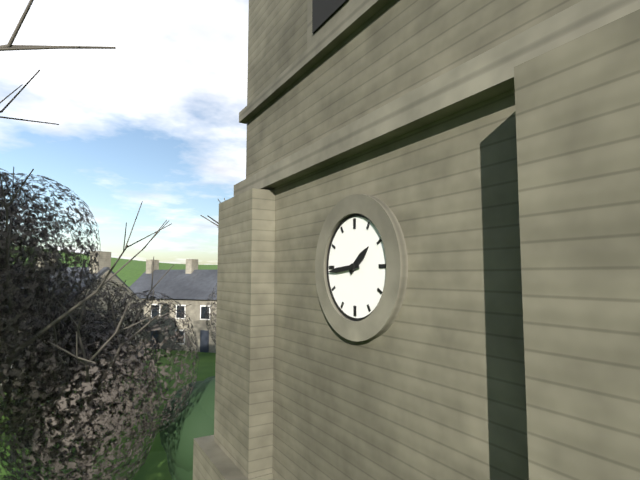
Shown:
1.44
